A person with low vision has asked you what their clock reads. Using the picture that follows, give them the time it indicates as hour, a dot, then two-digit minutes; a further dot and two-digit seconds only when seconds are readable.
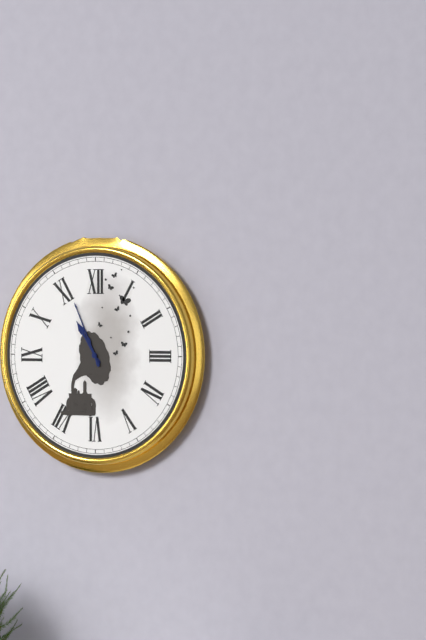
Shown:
10.56
